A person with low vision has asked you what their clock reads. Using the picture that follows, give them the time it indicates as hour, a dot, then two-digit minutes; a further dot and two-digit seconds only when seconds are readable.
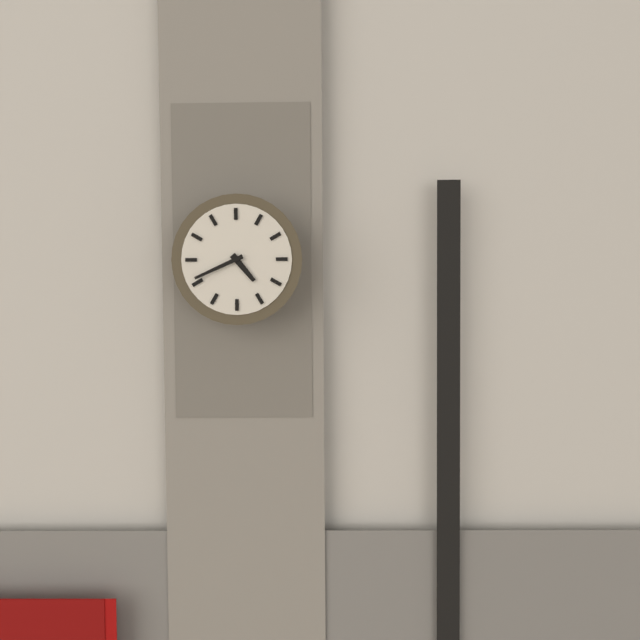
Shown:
4.41
